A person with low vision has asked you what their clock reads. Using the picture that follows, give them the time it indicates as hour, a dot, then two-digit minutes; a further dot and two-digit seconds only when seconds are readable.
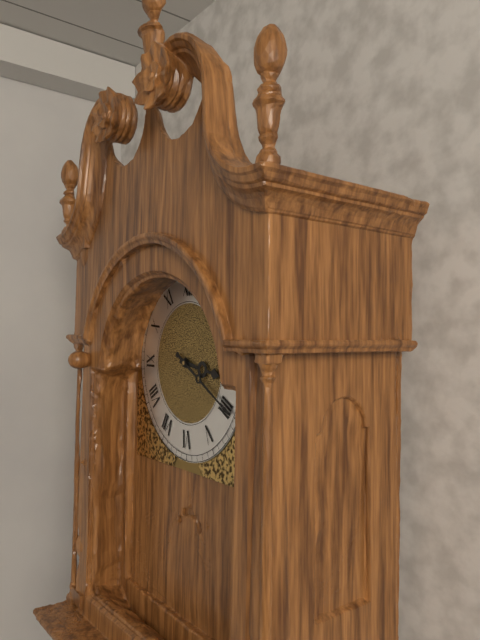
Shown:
3.20
